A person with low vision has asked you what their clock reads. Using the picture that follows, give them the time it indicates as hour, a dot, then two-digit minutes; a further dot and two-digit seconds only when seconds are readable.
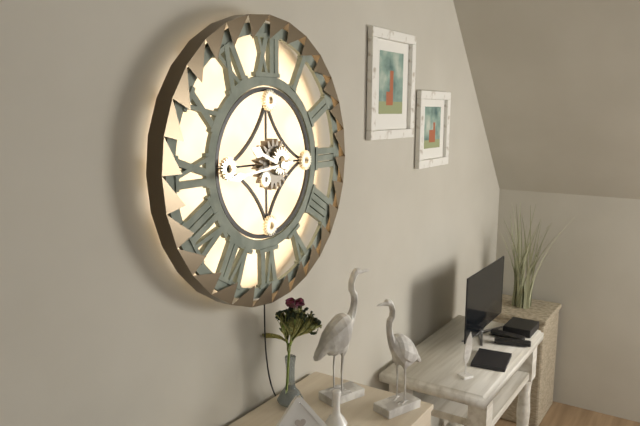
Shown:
9.44
